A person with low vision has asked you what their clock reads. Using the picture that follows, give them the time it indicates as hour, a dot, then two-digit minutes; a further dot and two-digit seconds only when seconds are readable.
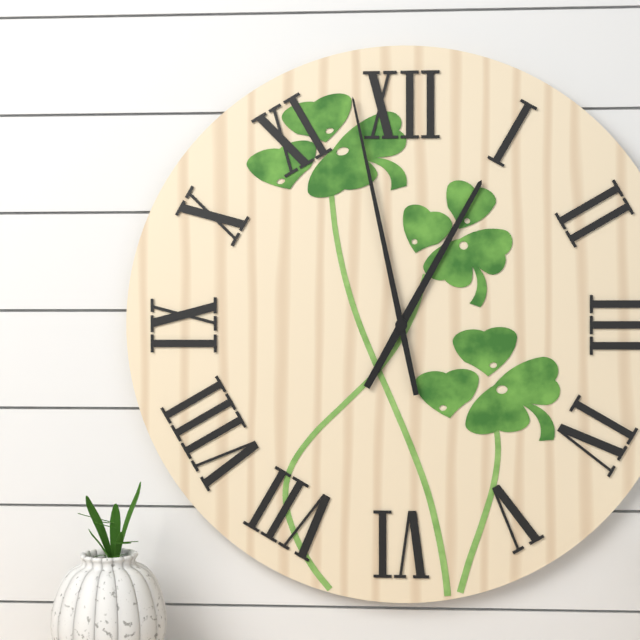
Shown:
12.58
